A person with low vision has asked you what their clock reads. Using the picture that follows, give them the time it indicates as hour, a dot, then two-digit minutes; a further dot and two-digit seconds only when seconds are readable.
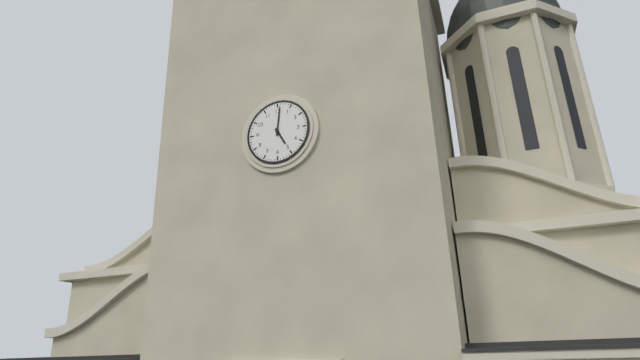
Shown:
5.01
